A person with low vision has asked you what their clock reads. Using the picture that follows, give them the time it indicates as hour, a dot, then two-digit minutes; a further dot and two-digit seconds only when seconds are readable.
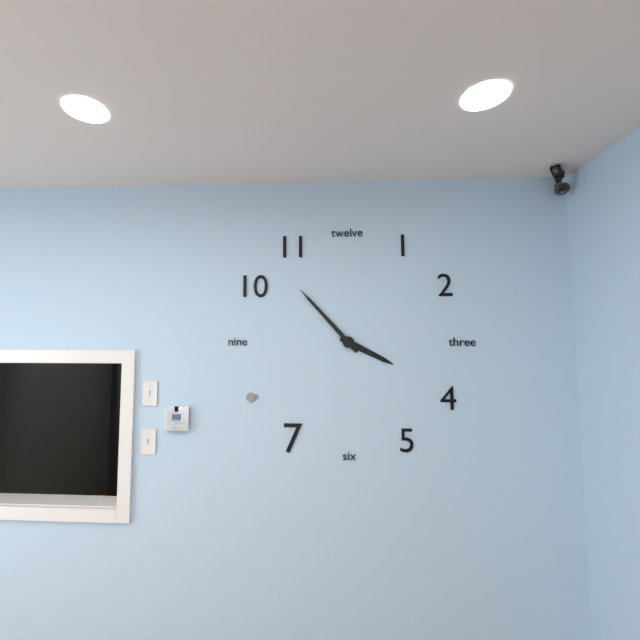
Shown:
3.53
